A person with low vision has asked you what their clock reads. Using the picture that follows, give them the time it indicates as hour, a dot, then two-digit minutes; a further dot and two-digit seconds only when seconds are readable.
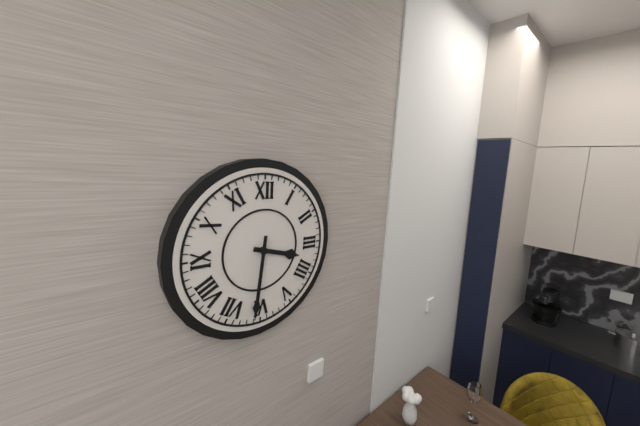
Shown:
3.31
